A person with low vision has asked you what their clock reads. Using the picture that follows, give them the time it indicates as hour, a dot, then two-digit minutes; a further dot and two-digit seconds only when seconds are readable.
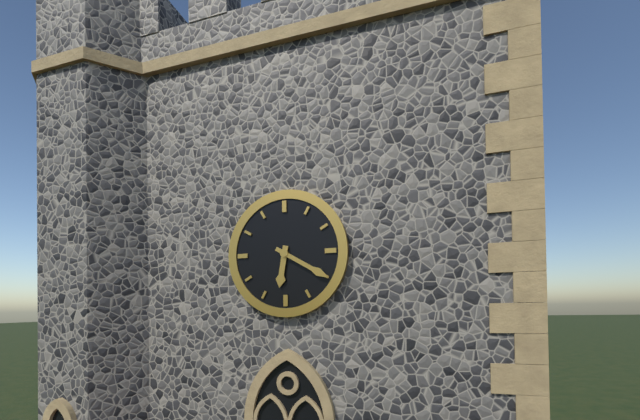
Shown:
6.20
